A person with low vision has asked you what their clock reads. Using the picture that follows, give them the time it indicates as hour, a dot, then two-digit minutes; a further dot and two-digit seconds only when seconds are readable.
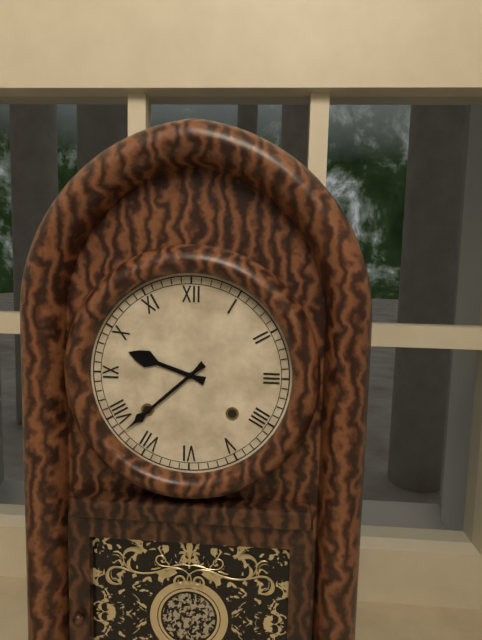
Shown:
9.38
